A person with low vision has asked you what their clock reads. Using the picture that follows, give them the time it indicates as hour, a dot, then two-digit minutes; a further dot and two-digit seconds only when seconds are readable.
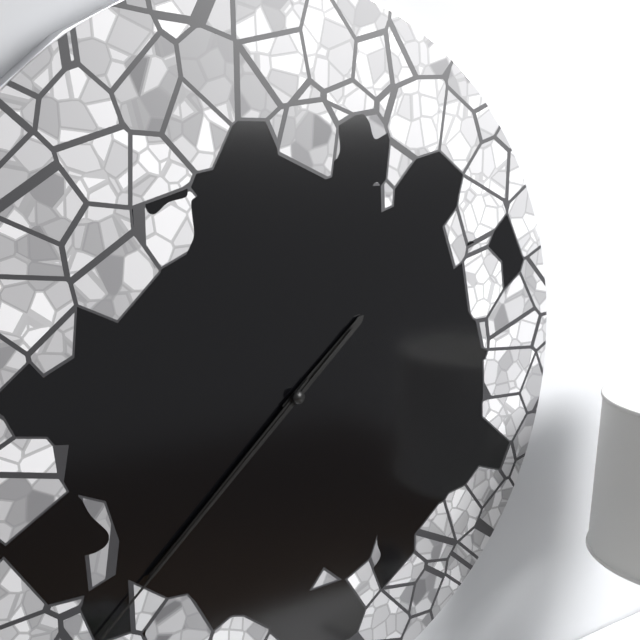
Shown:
1.38
